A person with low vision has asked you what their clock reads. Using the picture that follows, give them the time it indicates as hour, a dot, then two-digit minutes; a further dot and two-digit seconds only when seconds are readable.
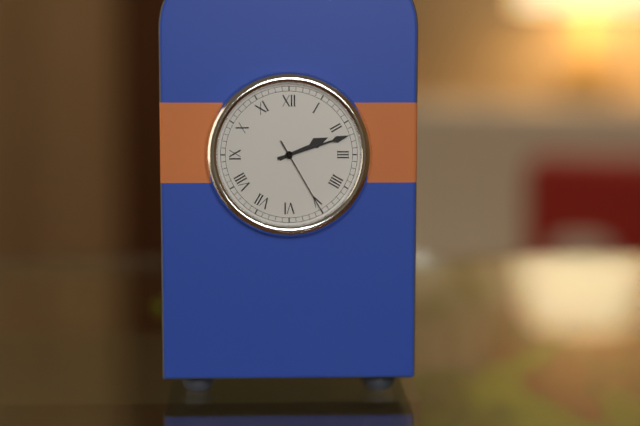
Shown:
2.12.25
